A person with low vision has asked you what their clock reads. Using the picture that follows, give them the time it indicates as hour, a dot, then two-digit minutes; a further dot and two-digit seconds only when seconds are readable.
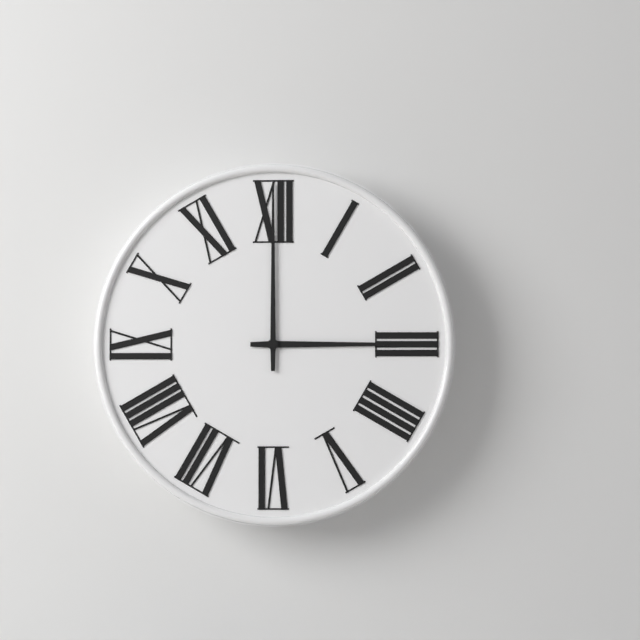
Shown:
3.00
